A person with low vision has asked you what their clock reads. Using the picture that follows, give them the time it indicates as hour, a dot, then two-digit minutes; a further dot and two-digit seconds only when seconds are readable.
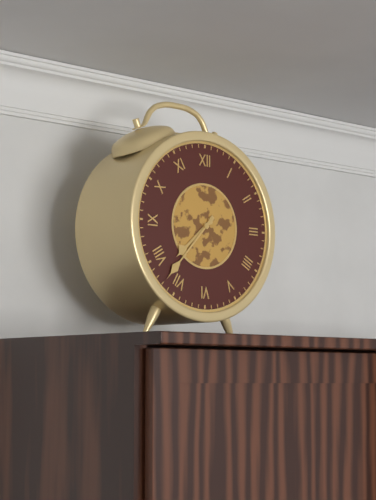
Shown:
7.37
